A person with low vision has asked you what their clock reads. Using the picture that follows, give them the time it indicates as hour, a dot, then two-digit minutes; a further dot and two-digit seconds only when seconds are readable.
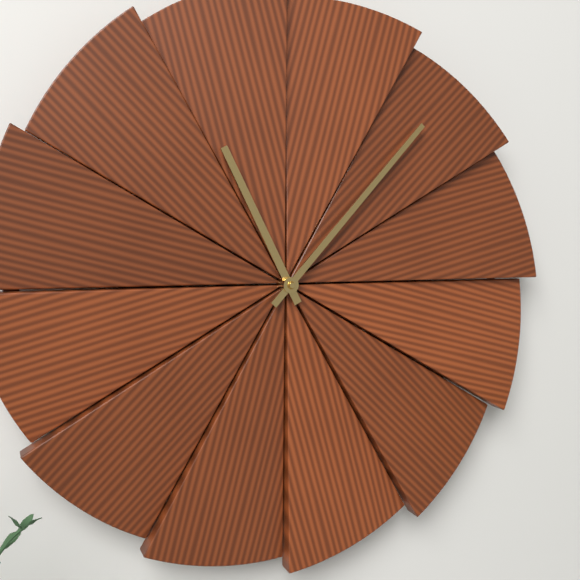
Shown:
11.07
